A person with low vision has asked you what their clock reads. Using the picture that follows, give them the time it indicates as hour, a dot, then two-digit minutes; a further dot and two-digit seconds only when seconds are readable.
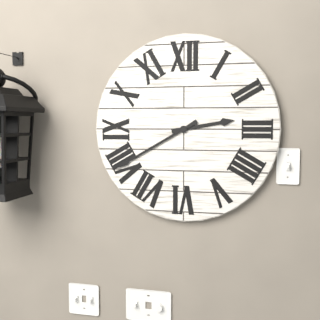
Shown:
2.40
